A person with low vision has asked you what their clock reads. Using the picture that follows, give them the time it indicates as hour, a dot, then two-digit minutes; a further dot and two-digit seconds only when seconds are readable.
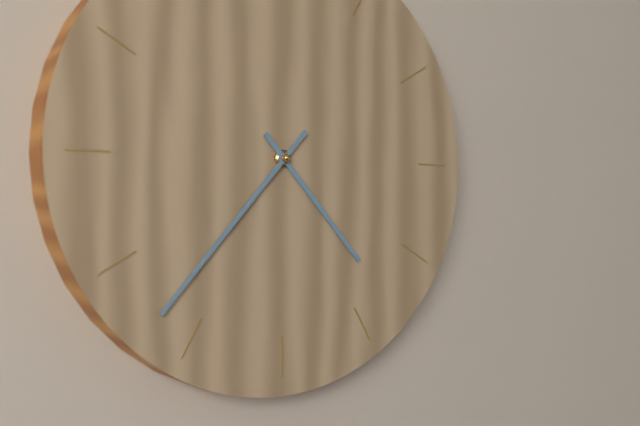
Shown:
4.37
